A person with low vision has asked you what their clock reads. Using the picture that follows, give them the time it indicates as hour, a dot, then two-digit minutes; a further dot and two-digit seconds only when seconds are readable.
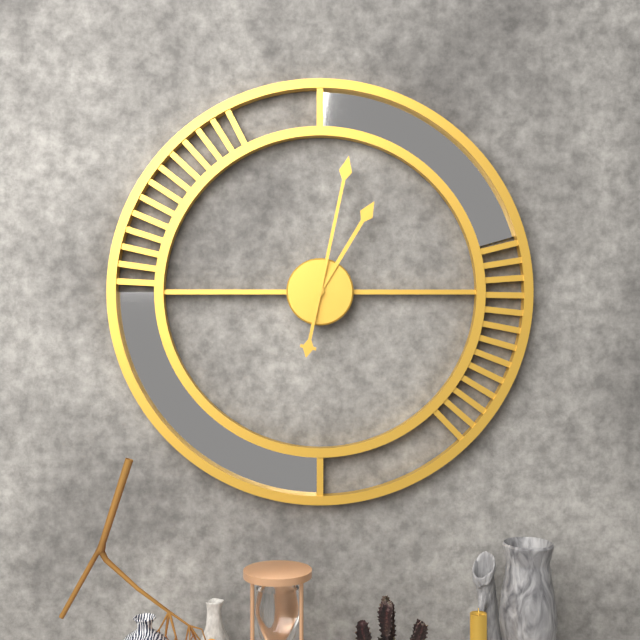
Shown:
1.02
